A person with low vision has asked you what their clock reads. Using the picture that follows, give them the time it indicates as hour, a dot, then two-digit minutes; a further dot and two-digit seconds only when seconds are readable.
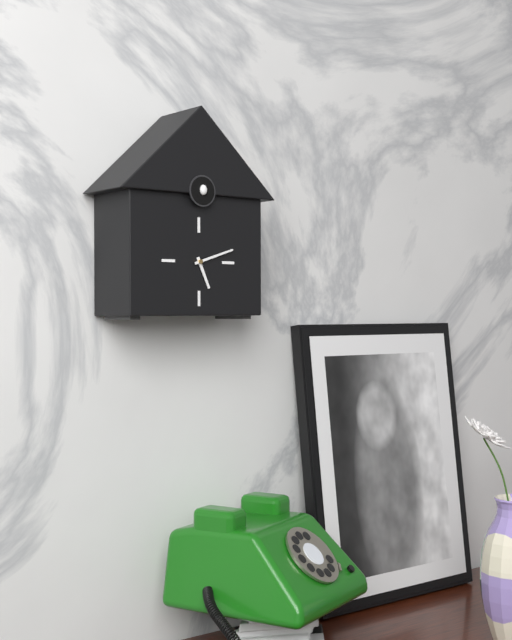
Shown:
5.12
